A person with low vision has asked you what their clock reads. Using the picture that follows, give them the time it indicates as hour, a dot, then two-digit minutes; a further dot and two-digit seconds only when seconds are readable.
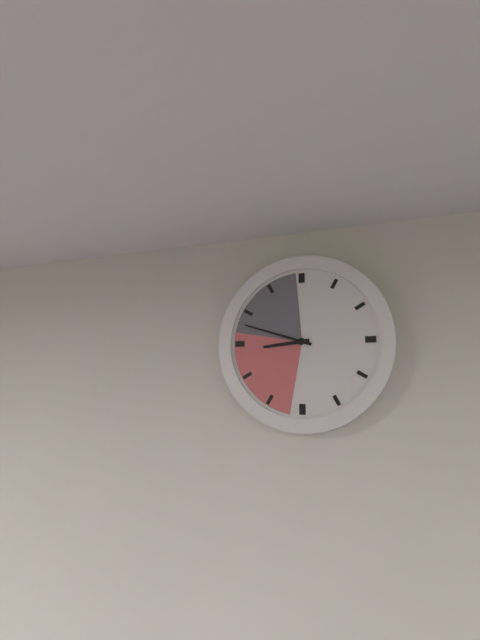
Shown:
8.48
